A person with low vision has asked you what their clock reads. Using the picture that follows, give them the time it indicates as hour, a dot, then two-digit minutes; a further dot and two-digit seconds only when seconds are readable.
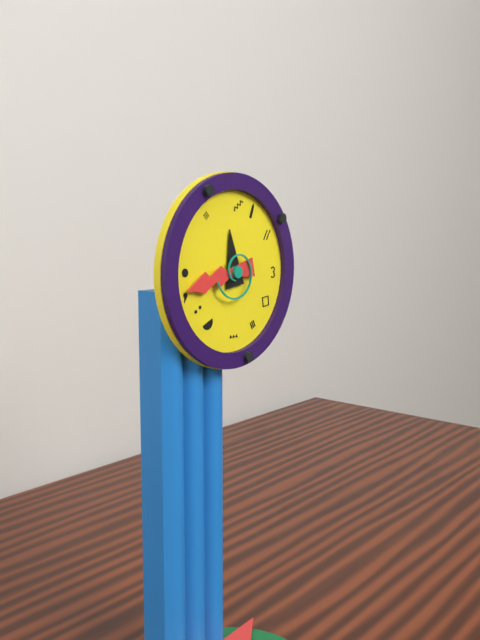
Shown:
11.43
